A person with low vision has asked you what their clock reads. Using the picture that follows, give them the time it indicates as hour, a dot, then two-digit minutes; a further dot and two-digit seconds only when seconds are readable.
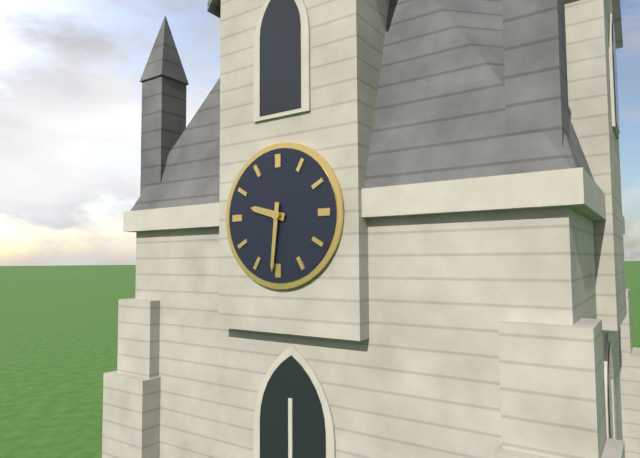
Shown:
9.31
